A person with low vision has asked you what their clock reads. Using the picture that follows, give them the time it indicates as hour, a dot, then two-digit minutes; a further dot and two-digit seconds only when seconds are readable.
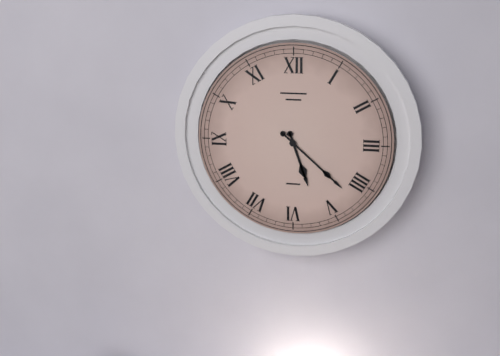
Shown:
5.22
